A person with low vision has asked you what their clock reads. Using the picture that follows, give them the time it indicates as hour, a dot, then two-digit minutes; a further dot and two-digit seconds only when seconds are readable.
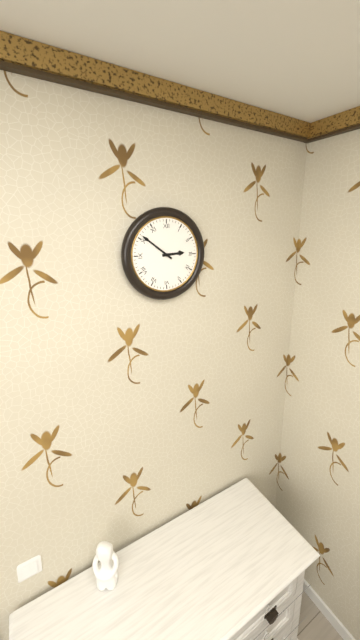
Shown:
2.51
